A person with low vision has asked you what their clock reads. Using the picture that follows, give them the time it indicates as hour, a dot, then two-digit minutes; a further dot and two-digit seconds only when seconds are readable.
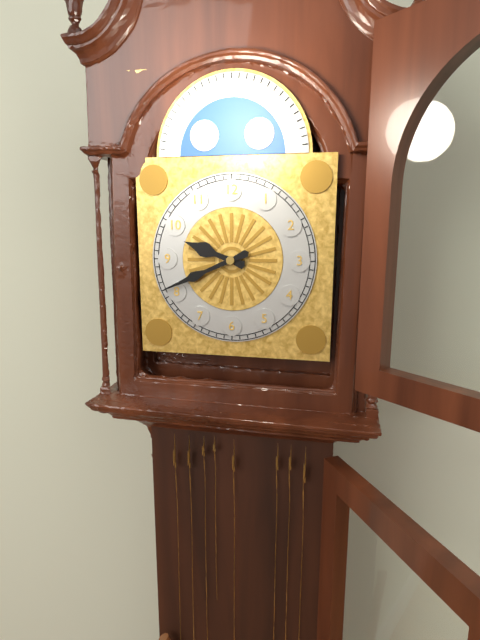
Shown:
9.41
